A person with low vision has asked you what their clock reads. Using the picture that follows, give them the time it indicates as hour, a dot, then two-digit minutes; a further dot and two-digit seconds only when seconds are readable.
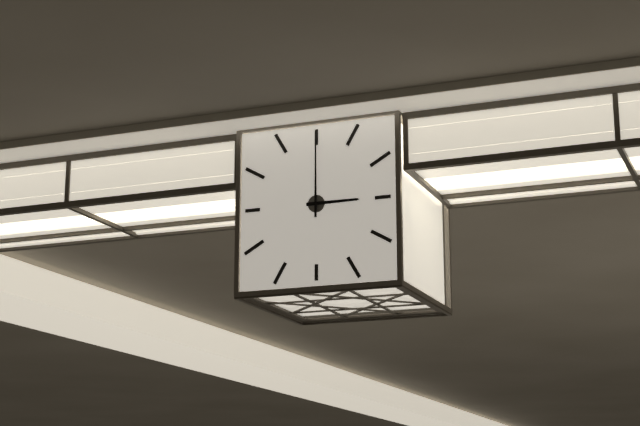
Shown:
3.00
